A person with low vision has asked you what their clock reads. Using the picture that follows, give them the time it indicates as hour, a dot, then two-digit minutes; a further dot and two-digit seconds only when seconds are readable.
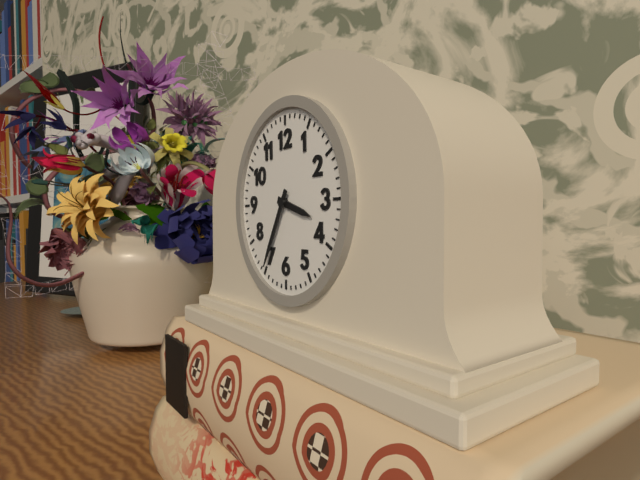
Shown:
3.35
